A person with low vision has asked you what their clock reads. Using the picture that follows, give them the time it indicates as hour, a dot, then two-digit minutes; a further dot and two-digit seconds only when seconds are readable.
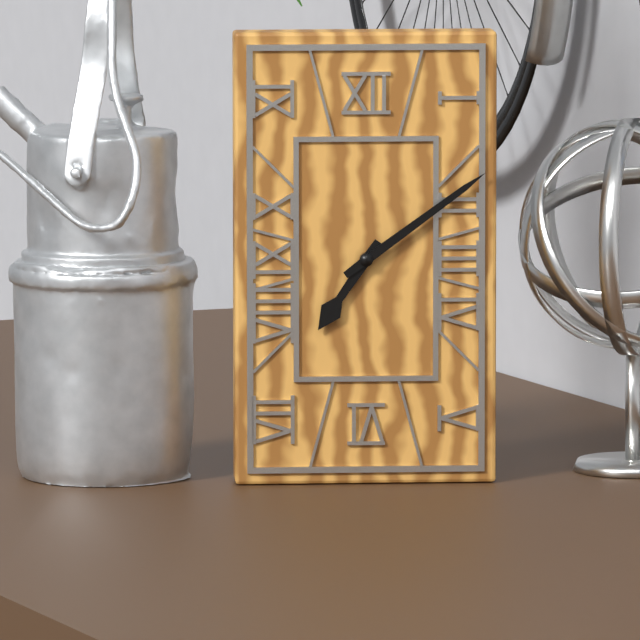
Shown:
7.09
